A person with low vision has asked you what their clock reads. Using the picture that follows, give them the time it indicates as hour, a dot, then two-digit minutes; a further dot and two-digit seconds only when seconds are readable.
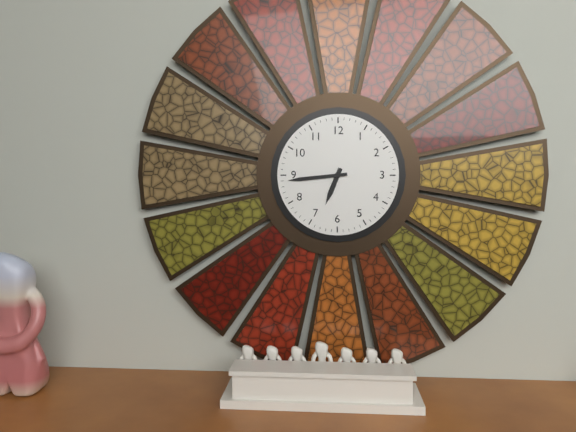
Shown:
6.44
